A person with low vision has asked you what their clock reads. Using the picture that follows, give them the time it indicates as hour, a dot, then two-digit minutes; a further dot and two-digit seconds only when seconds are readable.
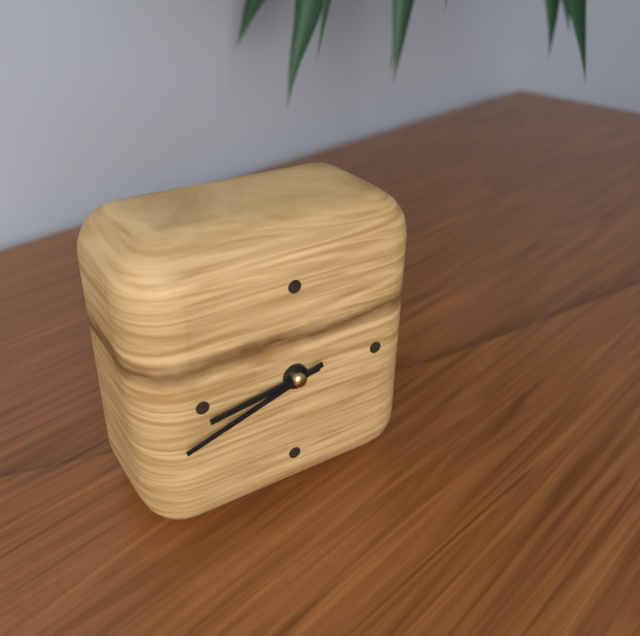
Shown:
8.42
